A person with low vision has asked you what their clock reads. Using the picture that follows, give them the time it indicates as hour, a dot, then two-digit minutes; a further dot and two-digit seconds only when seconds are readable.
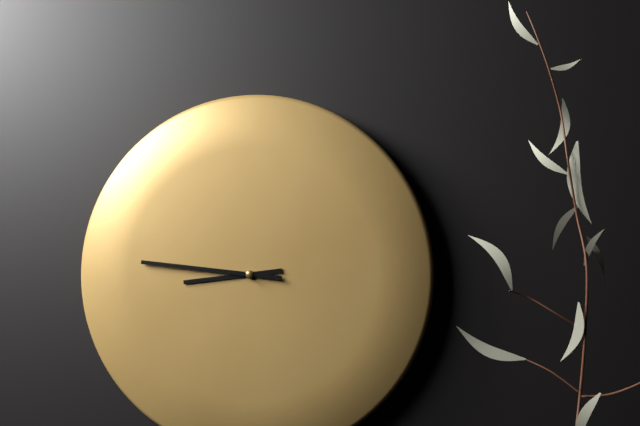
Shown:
8.46
